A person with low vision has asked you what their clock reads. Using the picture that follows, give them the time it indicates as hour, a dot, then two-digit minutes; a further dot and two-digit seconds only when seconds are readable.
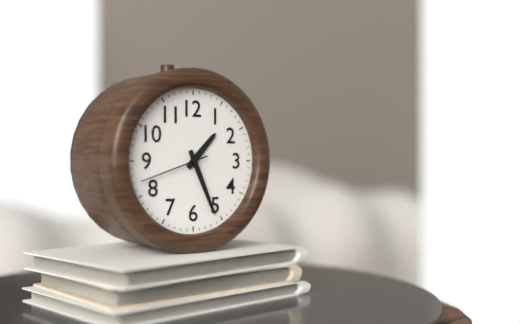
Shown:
1.26.42
